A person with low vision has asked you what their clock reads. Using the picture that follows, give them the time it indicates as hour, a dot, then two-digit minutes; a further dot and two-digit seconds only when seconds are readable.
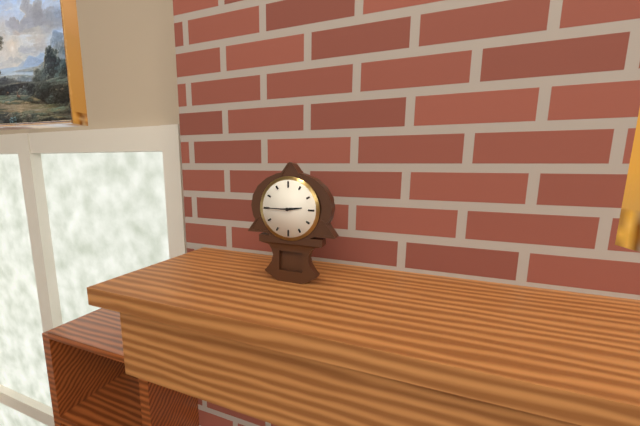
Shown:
2.45
